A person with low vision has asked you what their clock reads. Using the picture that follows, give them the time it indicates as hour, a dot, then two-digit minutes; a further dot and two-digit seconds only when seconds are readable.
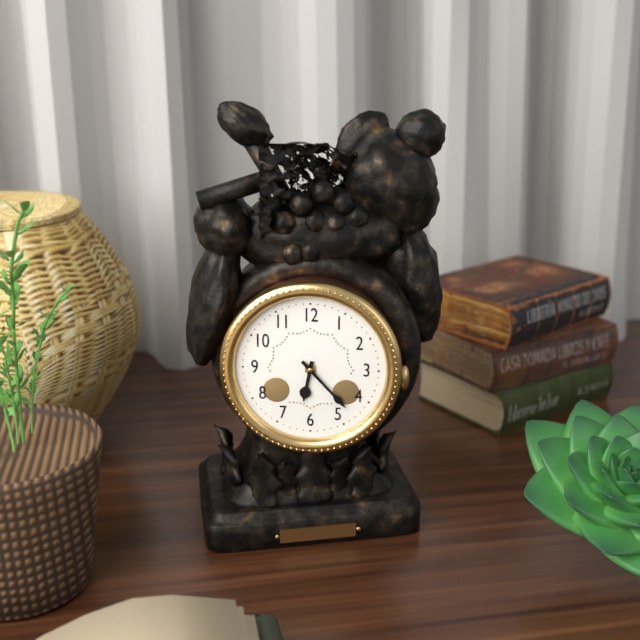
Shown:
6.23
